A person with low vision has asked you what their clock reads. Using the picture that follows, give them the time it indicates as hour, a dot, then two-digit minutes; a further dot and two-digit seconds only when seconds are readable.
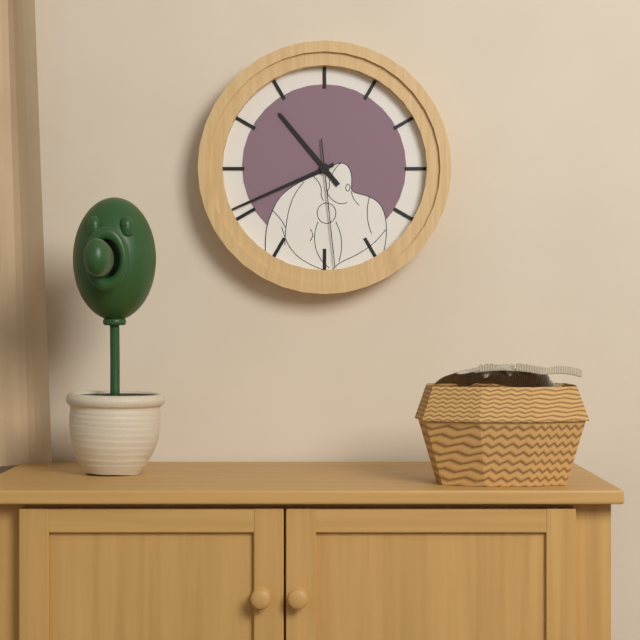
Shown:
10.41.29
